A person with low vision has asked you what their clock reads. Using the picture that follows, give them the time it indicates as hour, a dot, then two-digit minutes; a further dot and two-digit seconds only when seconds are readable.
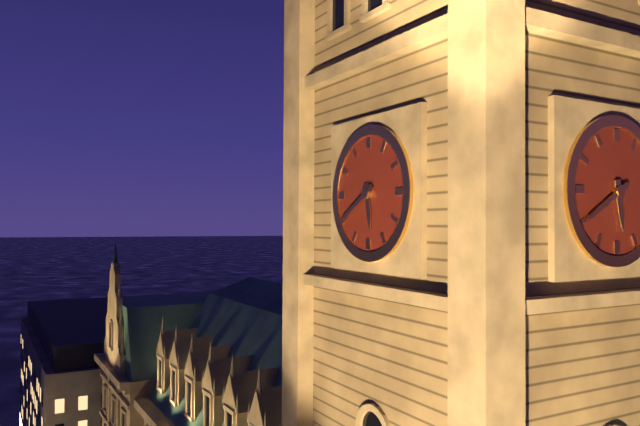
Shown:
5.40
